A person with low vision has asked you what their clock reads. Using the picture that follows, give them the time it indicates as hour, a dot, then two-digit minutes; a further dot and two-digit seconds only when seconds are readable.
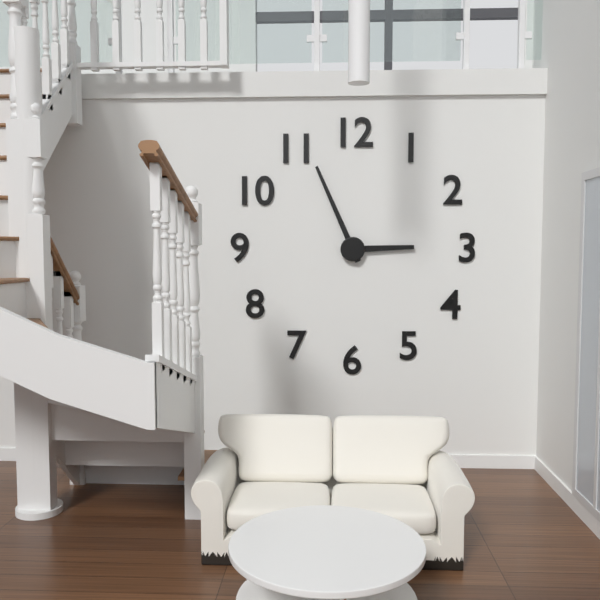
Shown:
2.56
